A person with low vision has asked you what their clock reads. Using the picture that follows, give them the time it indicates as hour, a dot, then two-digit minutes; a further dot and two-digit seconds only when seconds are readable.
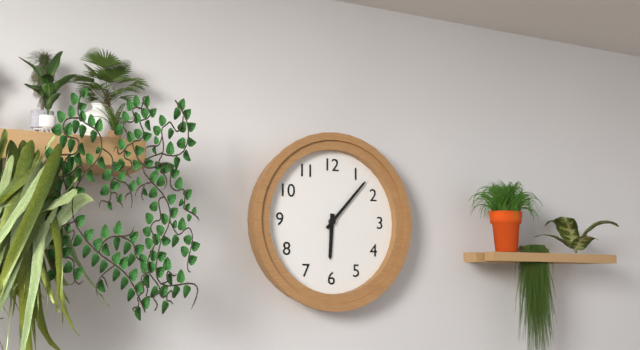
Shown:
6.07
